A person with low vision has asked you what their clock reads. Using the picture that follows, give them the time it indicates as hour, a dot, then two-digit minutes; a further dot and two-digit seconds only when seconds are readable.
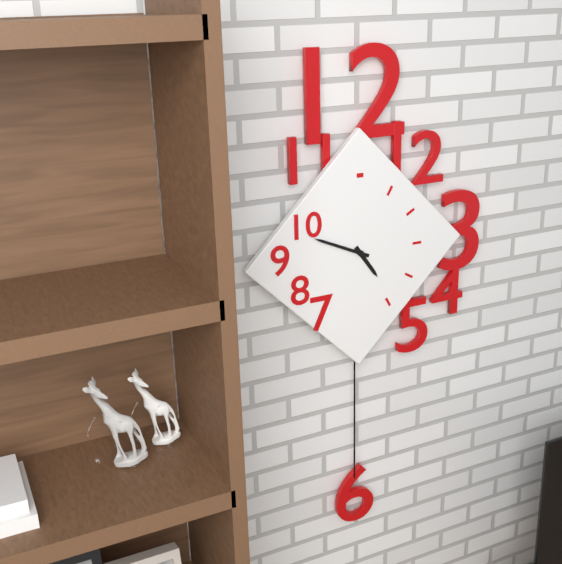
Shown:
4.49
